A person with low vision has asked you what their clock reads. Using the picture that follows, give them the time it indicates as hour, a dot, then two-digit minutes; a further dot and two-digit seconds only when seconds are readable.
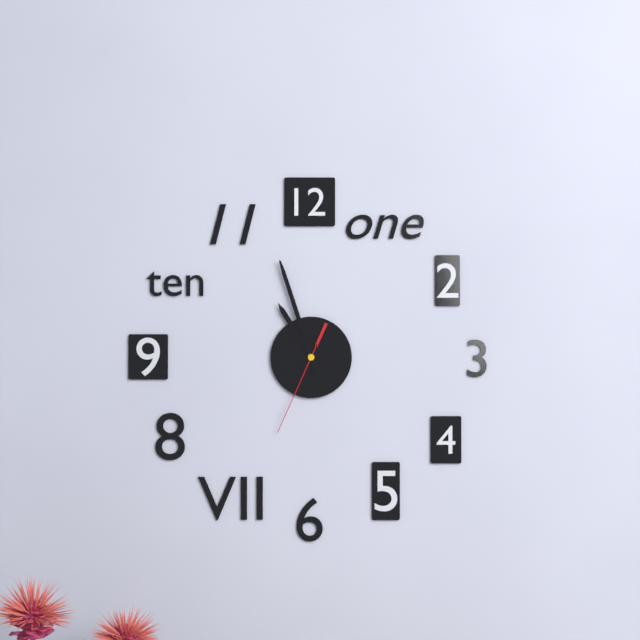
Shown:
10.57.34
